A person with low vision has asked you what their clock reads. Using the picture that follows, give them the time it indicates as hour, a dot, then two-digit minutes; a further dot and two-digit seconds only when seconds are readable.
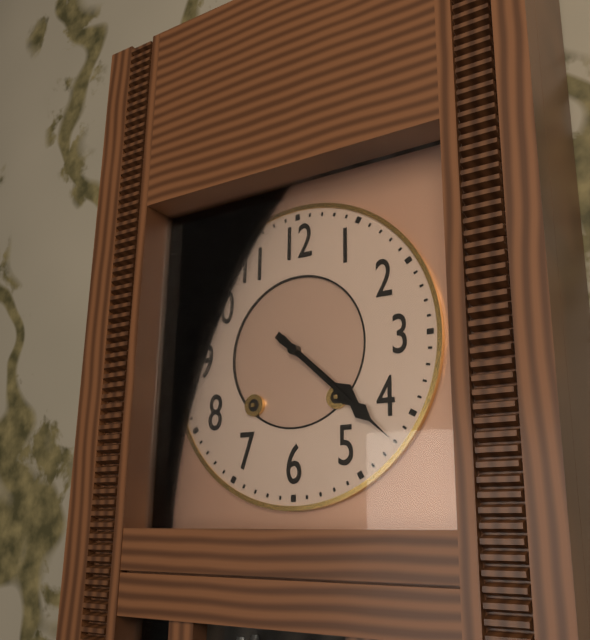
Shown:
4.22
